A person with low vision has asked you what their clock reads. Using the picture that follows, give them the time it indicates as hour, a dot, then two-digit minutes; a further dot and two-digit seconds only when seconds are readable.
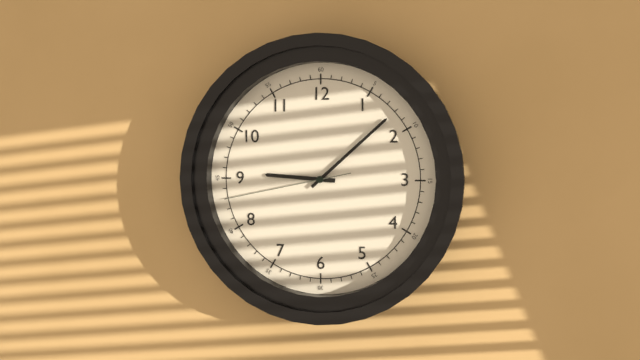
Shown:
9.08.43
